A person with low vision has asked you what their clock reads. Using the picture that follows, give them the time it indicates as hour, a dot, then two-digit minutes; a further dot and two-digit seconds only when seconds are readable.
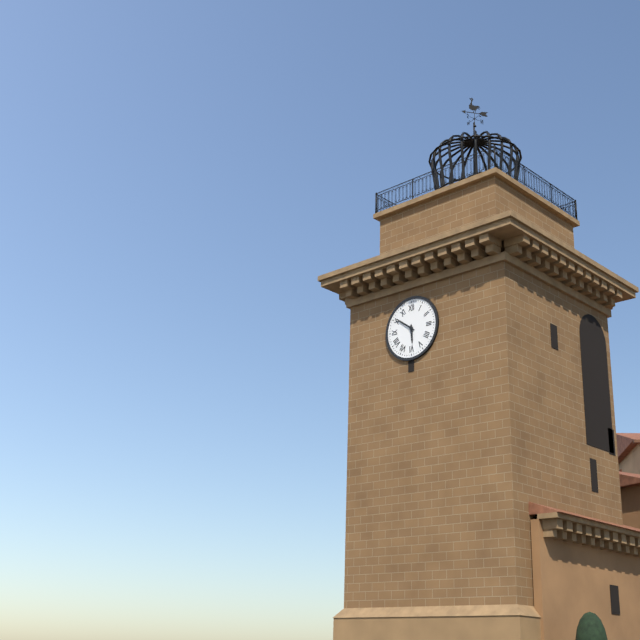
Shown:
5.51
